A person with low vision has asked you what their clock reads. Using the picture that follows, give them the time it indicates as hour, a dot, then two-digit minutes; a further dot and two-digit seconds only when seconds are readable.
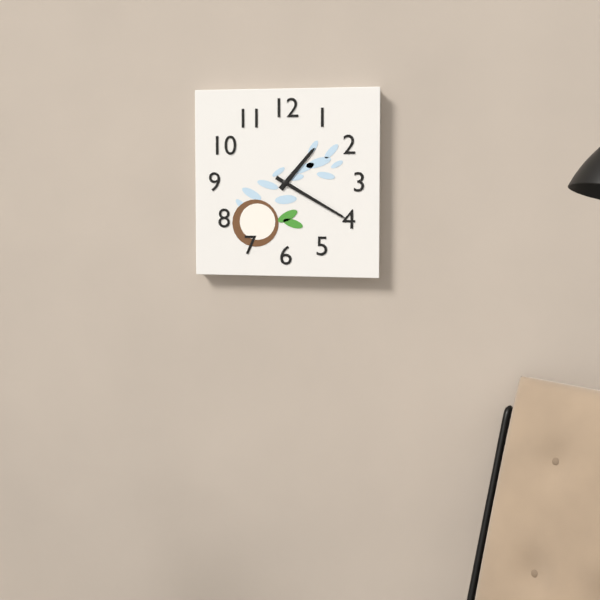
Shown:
1.20
